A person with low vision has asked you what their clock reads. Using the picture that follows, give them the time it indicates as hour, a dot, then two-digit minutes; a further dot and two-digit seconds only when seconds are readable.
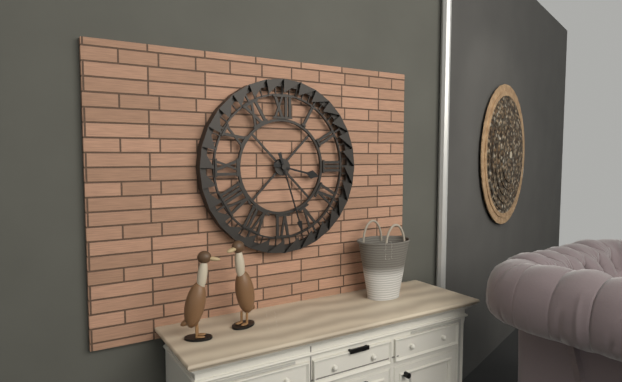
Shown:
3.27
